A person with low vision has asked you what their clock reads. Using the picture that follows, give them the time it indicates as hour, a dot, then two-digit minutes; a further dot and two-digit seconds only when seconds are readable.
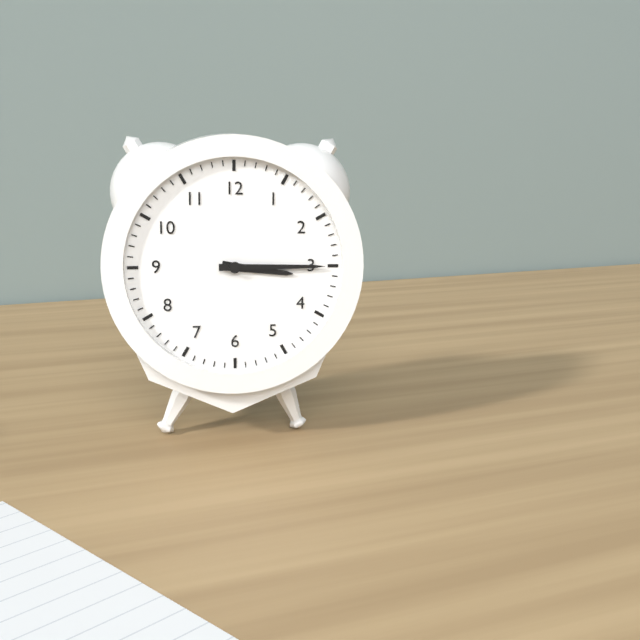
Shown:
3.15
